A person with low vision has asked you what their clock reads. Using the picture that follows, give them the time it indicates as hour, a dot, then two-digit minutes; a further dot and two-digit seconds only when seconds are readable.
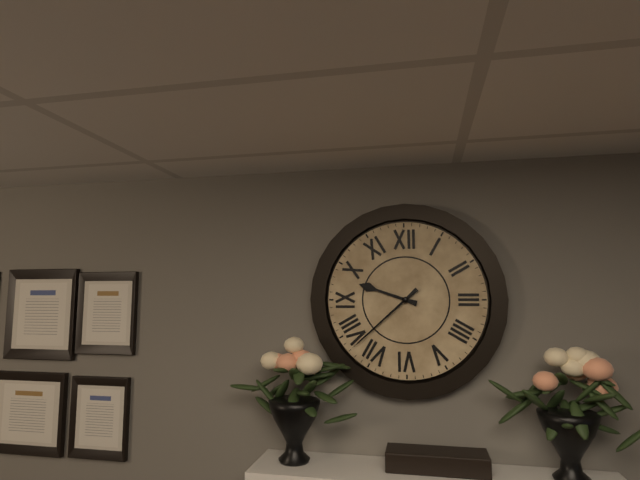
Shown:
9.38
